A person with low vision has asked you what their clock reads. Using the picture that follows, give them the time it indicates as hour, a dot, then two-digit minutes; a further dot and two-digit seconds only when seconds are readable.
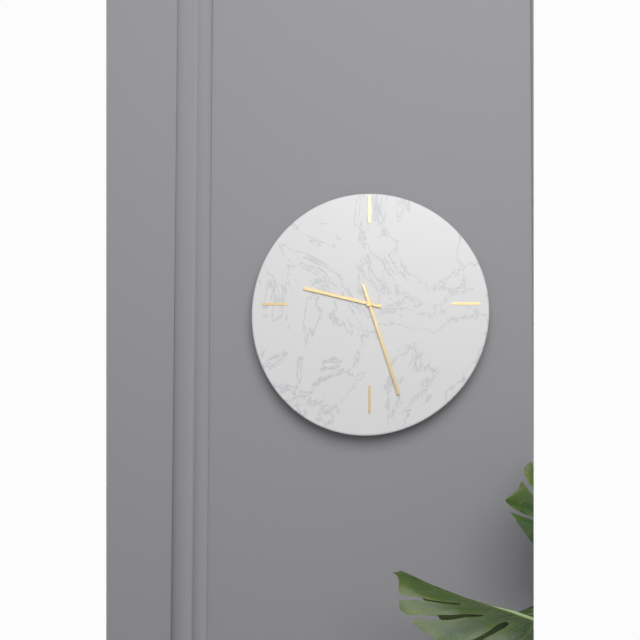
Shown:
9.27
